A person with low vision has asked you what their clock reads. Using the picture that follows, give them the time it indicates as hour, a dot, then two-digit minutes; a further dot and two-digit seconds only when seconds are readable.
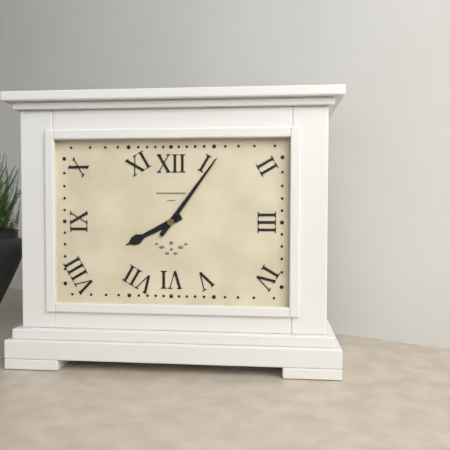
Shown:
8.06
